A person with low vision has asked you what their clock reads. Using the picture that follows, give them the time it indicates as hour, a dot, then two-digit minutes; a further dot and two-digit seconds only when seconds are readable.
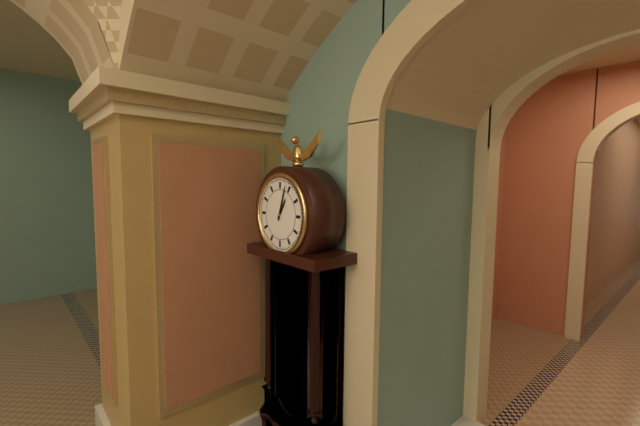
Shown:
1.03
